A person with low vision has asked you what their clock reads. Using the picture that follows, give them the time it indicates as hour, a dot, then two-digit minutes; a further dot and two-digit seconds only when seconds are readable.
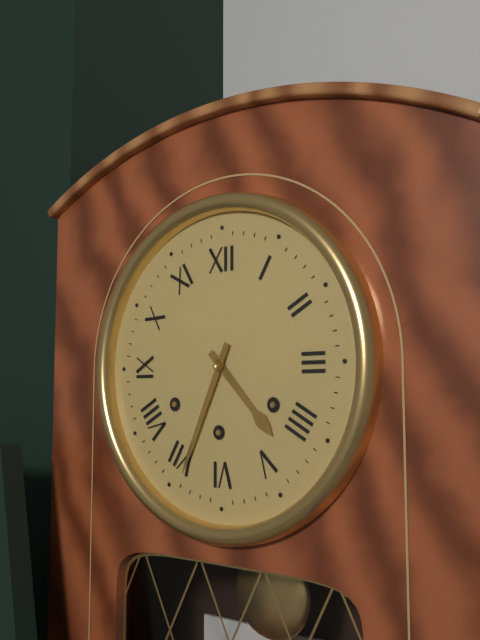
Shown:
4.34
